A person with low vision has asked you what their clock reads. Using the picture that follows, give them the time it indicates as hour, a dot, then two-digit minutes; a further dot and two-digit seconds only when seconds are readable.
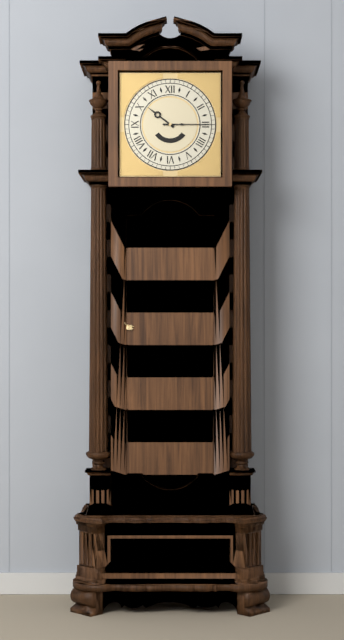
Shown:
10.15
